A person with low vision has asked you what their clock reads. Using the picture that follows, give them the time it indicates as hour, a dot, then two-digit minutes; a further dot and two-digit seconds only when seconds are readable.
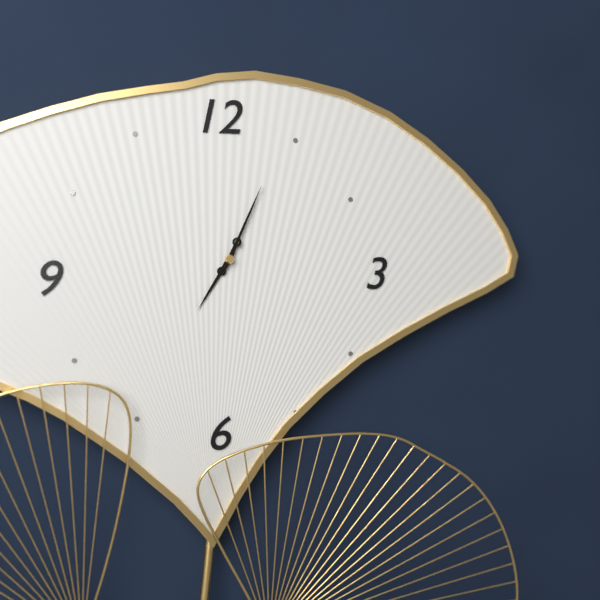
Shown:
7.04
